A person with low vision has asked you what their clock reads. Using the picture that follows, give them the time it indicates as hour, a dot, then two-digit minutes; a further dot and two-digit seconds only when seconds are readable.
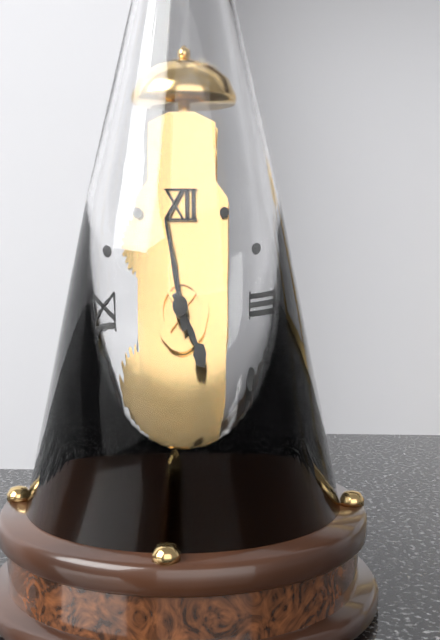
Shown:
4.58
